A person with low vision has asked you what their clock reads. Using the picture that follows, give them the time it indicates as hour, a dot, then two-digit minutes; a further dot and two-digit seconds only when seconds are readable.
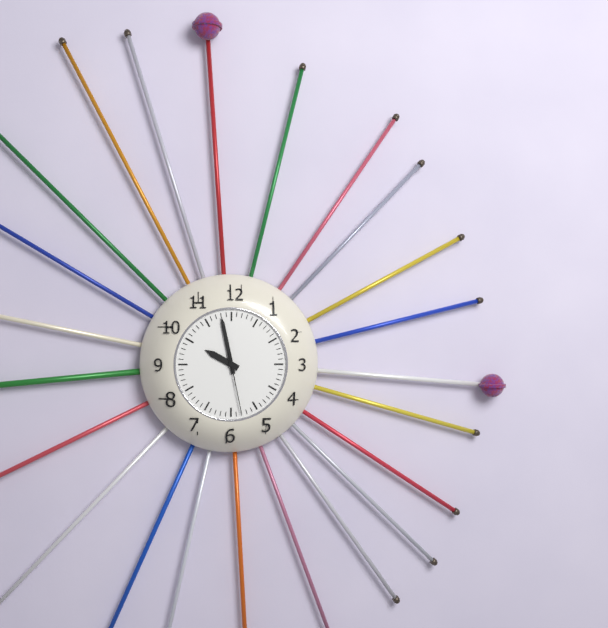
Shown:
9.58.28
